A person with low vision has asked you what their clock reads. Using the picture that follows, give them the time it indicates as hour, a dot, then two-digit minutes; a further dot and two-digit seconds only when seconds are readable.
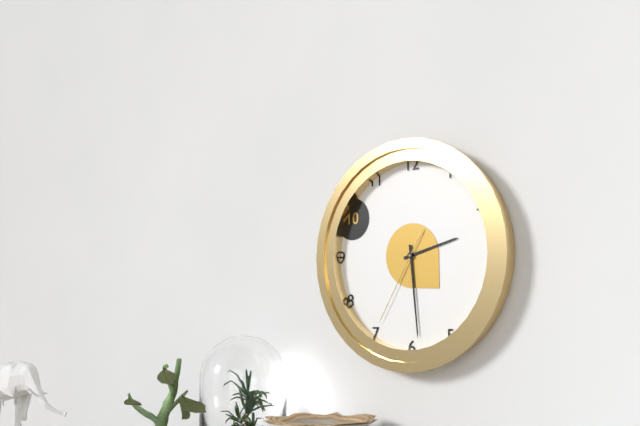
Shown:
2.29.35
